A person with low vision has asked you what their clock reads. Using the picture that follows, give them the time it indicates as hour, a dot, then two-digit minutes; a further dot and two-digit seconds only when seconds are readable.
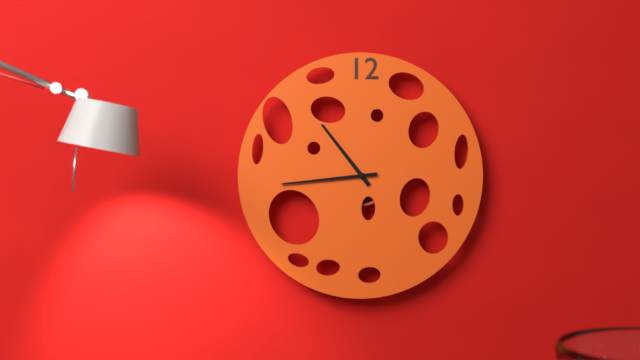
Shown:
10.44
